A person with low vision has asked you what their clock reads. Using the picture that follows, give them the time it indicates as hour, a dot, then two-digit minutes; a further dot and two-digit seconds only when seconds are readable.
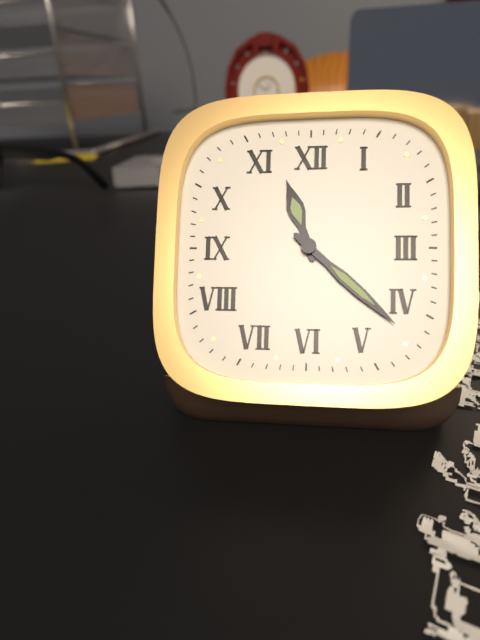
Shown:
11.22
